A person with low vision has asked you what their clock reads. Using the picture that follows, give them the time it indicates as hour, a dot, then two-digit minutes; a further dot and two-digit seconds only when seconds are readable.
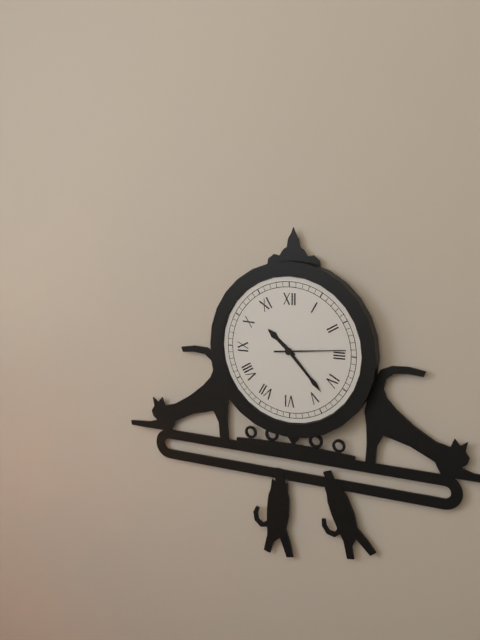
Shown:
10.23.14
